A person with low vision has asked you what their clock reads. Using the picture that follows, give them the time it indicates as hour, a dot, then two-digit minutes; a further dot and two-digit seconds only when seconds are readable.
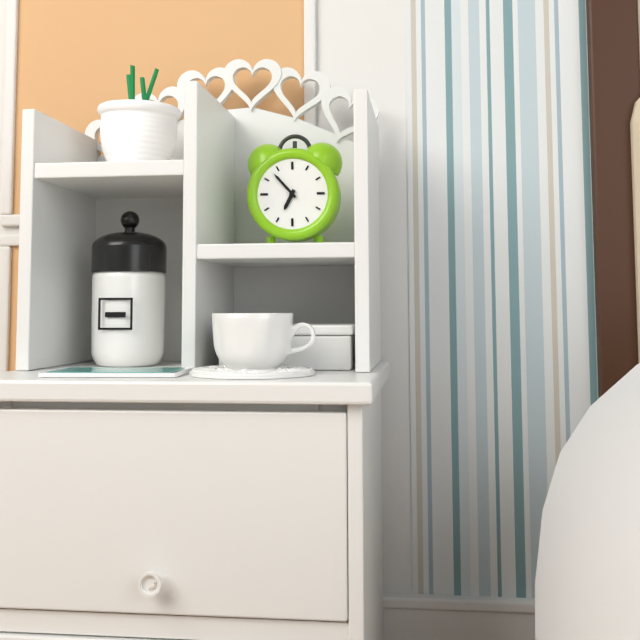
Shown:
6.53
